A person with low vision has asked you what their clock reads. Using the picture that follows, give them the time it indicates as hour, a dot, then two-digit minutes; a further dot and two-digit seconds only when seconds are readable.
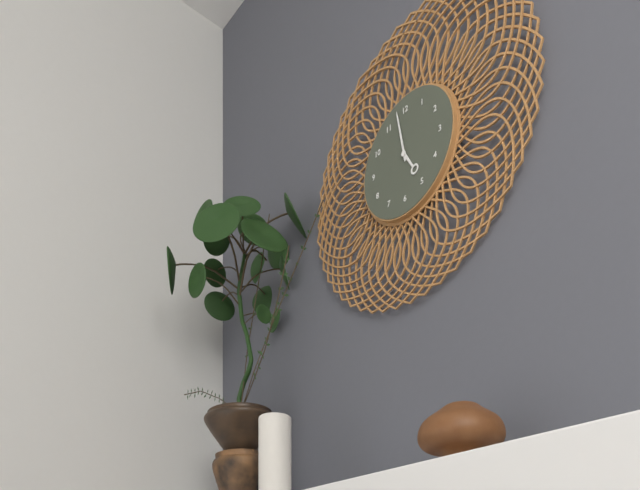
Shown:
4.58
